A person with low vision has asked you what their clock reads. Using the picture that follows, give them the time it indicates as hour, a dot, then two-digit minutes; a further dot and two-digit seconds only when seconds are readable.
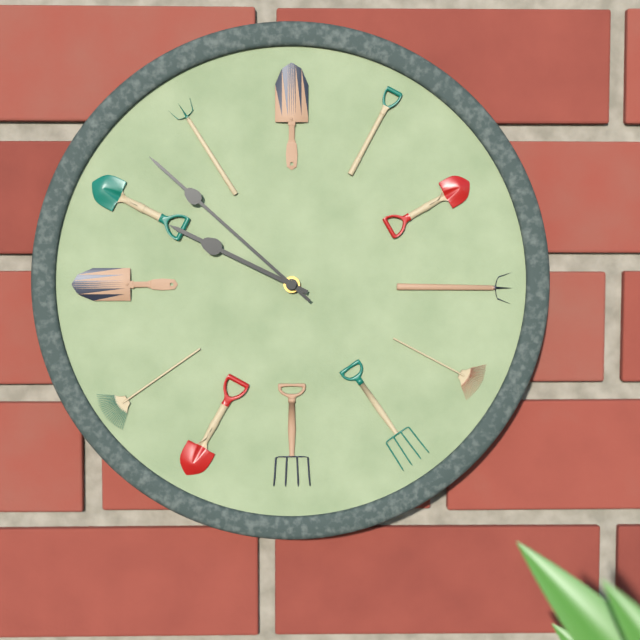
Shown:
9.52
